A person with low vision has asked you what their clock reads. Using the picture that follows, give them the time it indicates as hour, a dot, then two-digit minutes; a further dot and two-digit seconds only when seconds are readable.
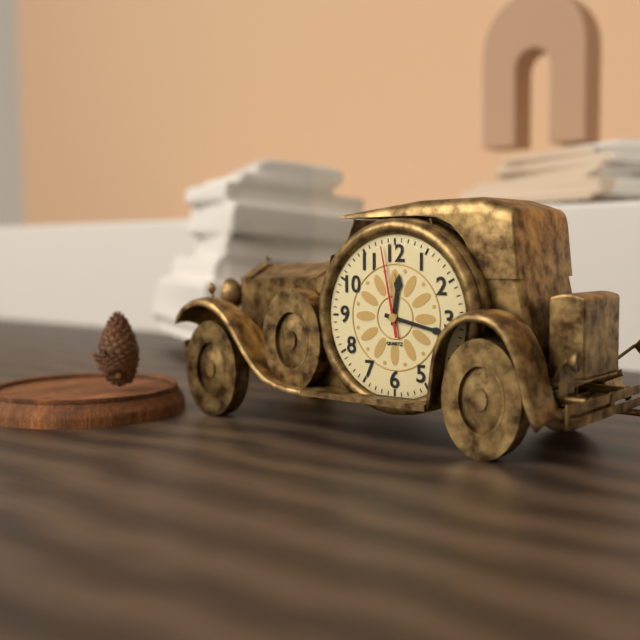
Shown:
12.17.58
